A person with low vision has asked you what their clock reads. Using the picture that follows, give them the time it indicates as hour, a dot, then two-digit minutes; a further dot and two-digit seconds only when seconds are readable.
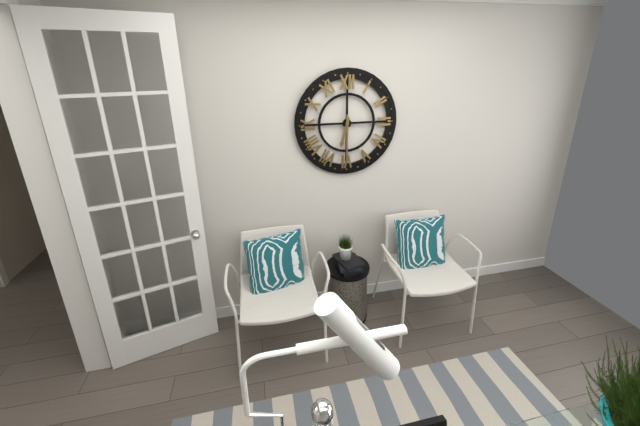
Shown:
6.30
